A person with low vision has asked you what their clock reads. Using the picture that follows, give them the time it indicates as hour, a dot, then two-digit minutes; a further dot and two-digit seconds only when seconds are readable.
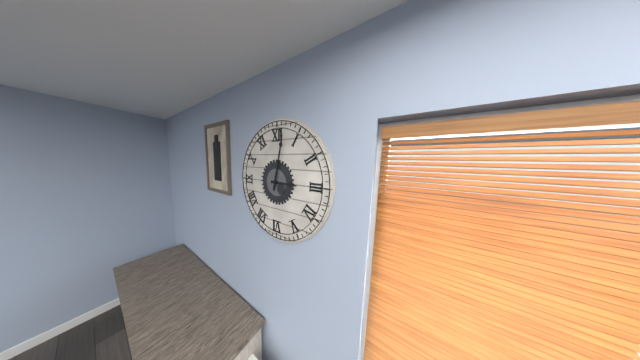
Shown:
3.02
